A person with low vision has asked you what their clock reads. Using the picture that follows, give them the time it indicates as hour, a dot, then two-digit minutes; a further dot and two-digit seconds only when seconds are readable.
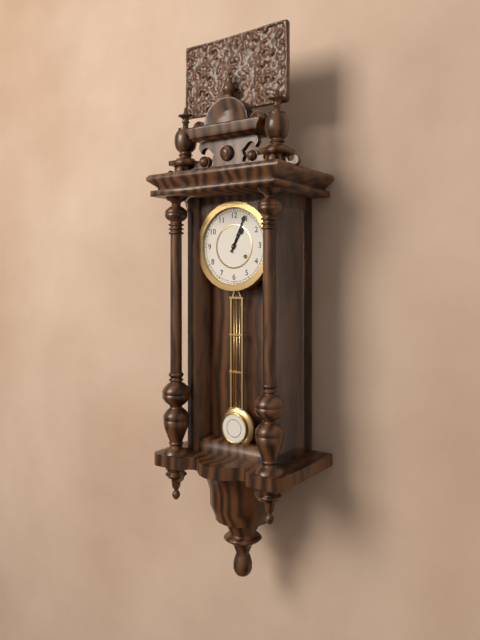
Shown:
1.04
